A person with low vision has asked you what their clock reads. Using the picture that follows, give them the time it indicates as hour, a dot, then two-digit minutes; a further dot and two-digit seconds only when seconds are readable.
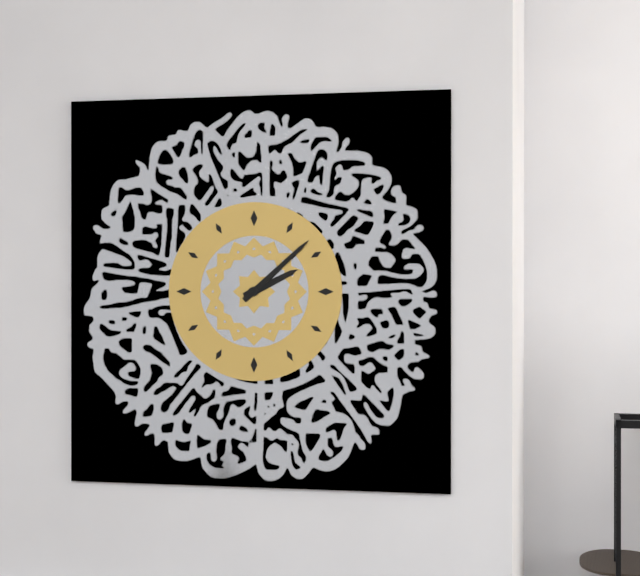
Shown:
2.08
